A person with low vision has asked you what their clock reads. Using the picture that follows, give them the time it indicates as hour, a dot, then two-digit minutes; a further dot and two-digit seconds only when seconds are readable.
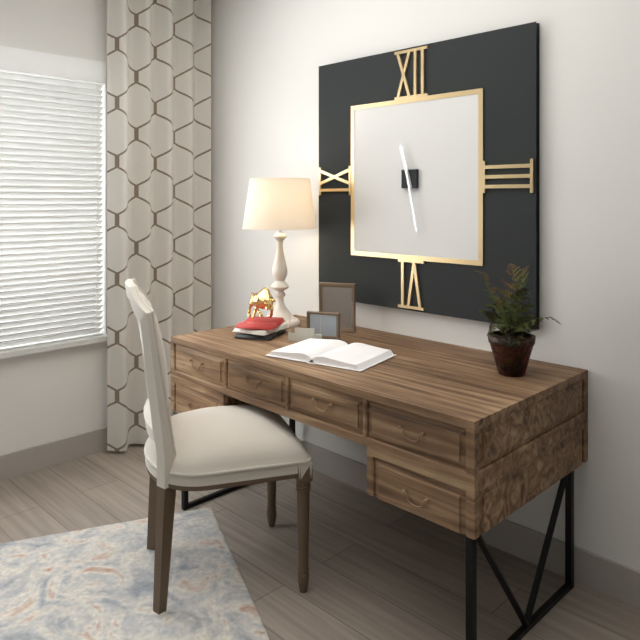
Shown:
11.28
